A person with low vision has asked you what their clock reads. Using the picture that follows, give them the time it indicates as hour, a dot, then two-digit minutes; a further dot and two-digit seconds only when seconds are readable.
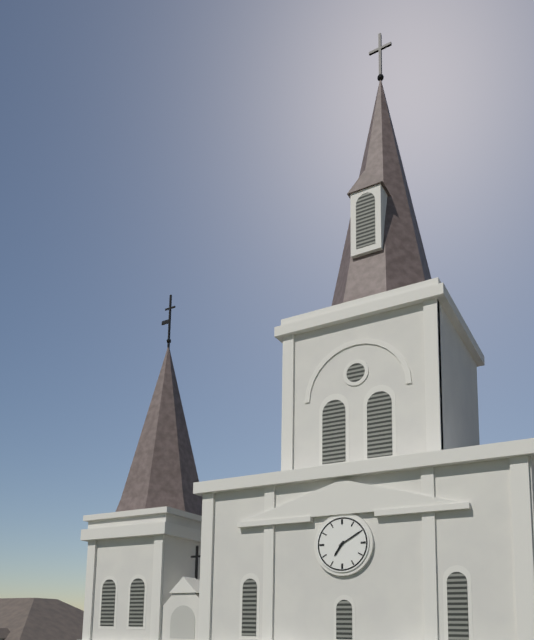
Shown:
7.10
